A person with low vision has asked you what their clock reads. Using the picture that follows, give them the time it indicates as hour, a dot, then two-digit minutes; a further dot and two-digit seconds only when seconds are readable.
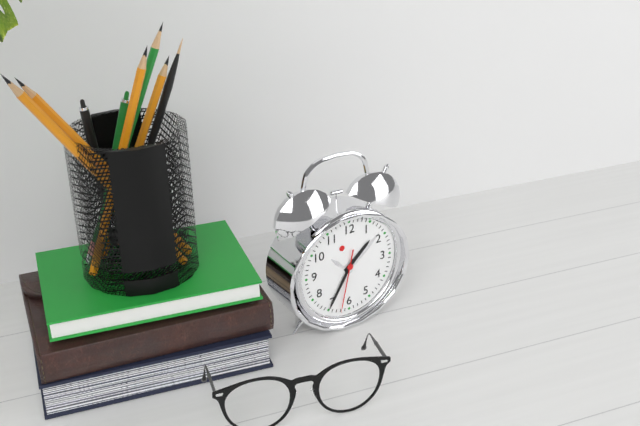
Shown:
1.35.32
